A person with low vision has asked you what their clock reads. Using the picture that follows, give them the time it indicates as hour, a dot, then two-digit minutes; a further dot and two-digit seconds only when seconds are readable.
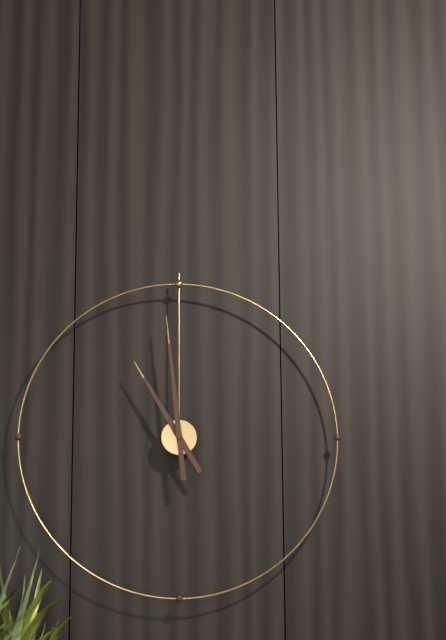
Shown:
10.59
